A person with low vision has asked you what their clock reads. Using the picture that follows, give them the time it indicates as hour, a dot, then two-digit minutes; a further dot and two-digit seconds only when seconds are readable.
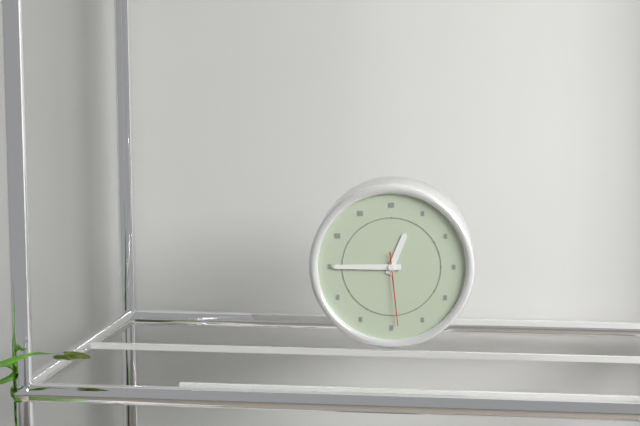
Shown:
12.45.29
